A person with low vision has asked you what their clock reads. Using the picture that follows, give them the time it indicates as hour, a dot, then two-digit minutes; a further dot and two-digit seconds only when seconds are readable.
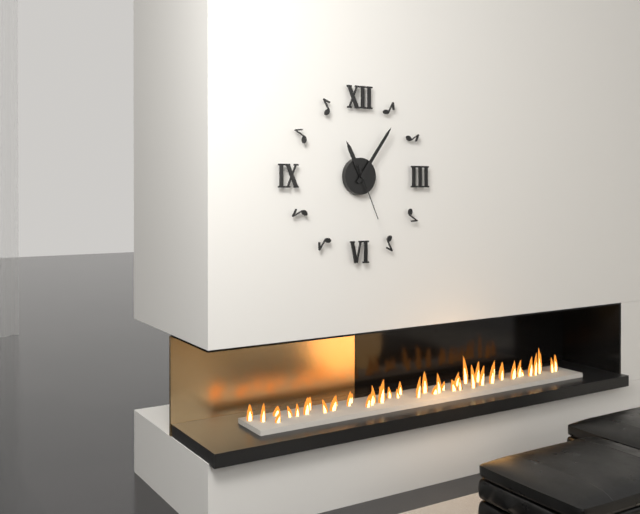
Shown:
11.06.26
